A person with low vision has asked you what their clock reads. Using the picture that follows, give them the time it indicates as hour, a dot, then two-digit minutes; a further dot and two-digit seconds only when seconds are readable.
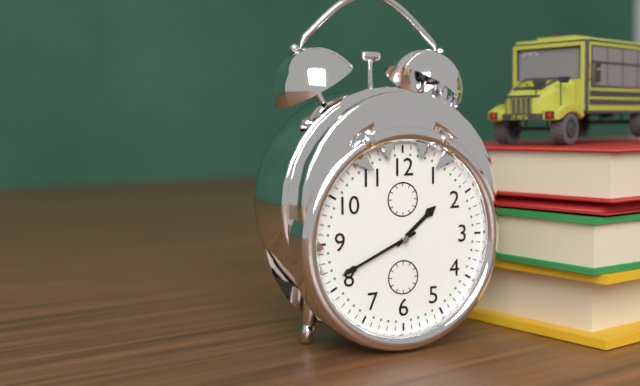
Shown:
1.41
